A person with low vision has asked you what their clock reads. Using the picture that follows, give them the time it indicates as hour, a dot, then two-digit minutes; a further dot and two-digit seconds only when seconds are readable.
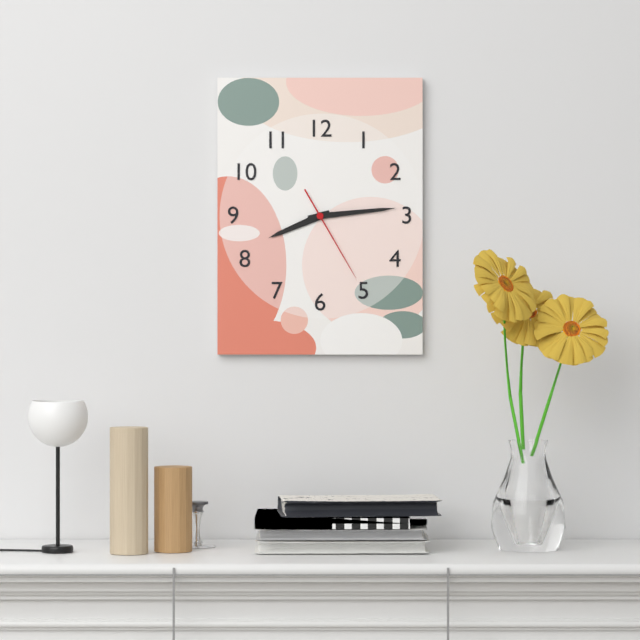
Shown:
8.14.25
